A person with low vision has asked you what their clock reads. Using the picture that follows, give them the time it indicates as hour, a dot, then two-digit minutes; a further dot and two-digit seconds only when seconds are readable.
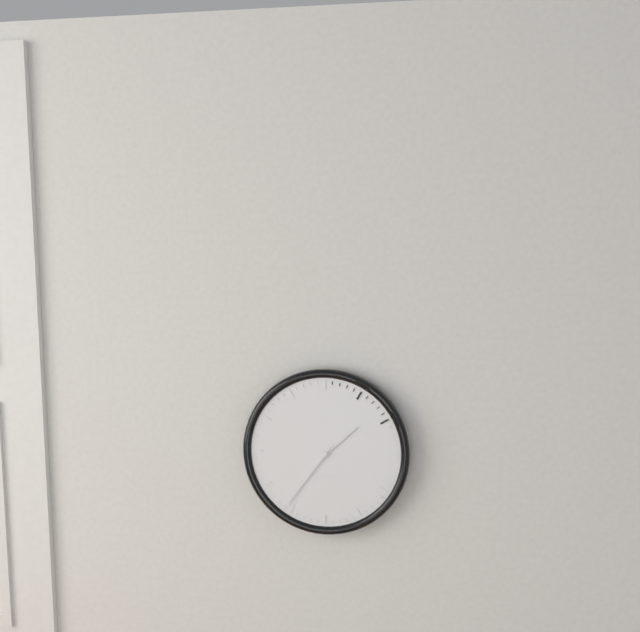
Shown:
1.36
